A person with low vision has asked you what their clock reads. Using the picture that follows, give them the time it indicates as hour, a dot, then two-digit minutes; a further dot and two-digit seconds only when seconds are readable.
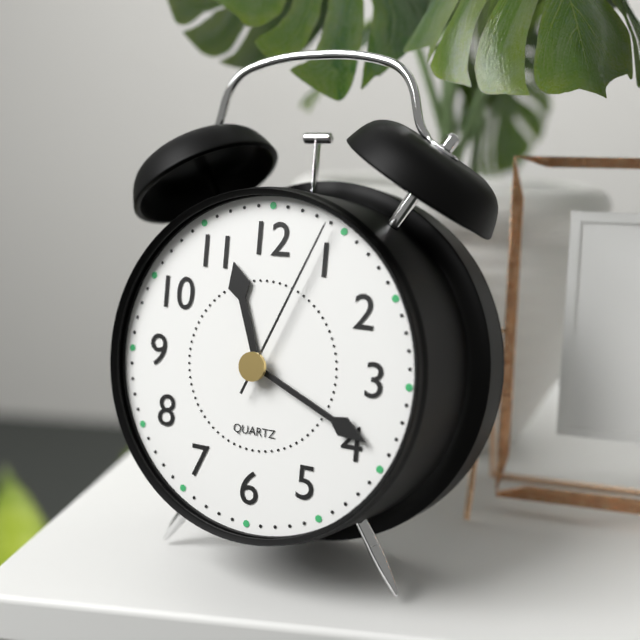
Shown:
11.19.04
